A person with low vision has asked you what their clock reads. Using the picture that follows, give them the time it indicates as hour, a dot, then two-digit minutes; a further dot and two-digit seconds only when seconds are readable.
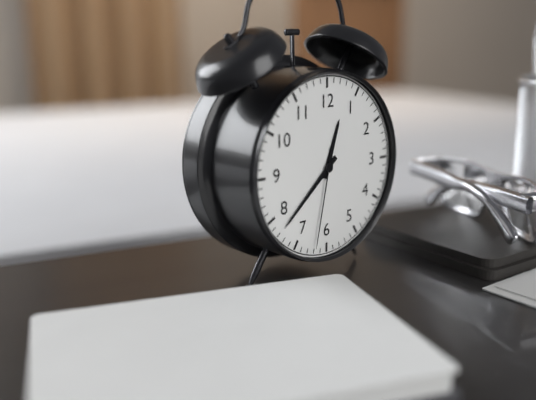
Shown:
12.38.32
